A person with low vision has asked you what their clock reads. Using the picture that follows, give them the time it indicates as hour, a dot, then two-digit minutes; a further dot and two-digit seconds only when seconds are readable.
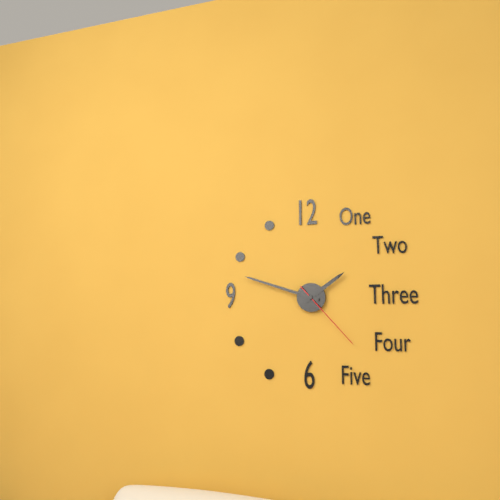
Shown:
1.48.23
